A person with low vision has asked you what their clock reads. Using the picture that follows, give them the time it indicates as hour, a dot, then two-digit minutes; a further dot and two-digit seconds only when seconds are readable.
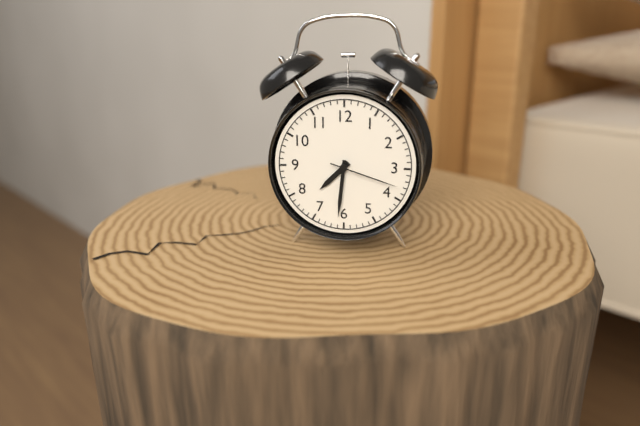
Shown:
7.31.18
